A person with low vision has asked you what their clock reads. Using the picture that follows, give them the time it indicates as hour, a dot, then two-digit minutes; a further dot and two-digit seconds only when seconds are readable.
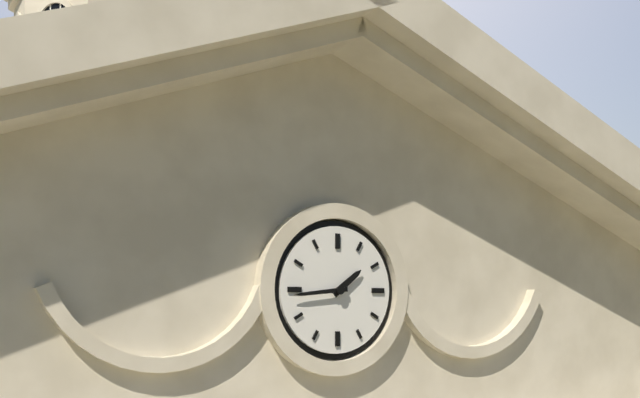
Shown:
1.44
